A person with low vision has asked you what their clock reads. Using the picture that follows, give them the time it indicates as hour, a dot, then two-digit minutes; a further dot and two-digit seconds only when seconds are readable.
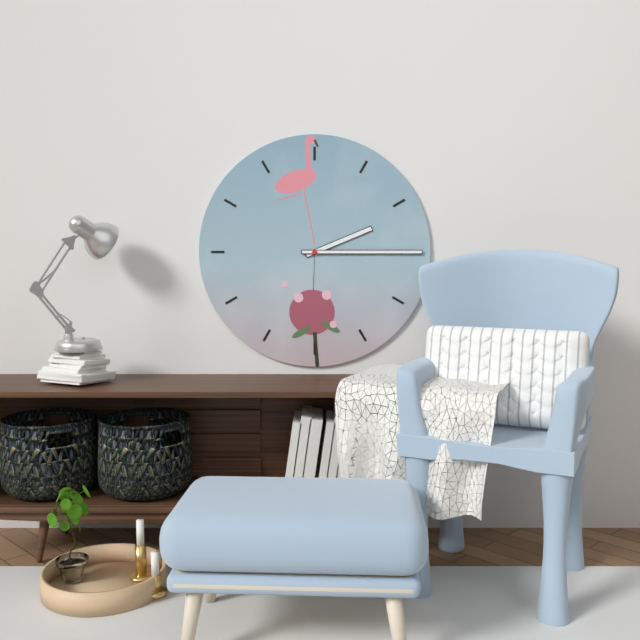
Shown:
2.15
